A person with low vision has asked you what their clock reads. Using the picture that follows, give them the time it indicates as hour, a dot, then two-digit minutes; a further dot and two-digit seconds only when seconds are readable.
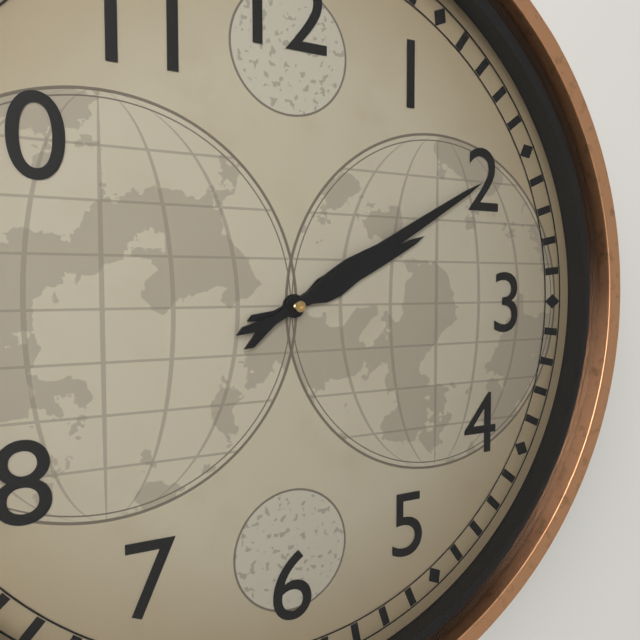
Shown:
2.10
